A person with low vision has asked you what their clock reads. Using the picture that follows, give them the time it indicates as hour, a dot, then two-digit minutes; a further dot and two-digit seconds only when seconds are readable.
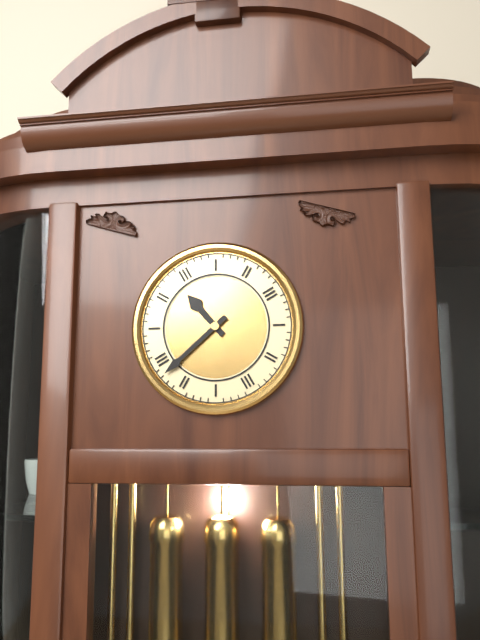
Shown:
10.38
